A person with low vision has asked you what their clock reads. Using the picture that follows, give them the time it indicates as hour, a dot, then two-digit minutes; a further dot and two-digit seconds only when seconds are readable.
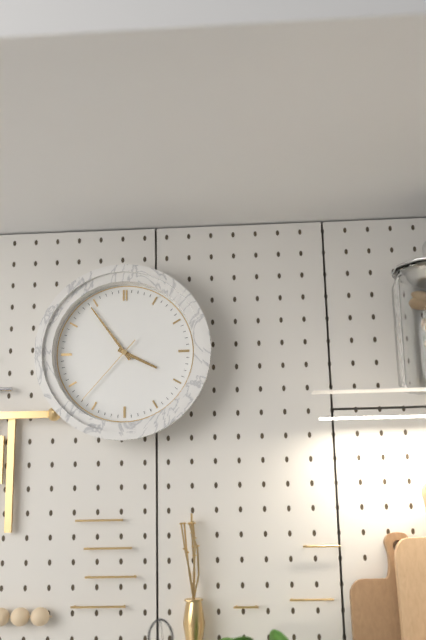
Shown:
3.54.37
